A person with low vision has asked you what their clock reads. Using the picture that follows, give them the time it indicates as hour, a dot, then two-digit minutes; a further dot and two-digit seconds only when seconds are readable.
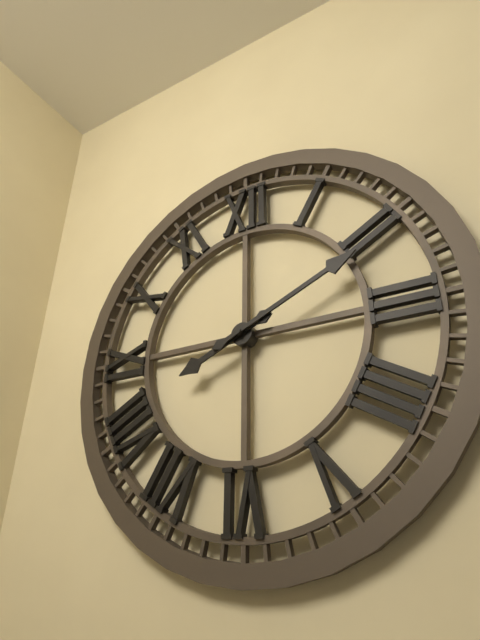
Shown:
8.11
